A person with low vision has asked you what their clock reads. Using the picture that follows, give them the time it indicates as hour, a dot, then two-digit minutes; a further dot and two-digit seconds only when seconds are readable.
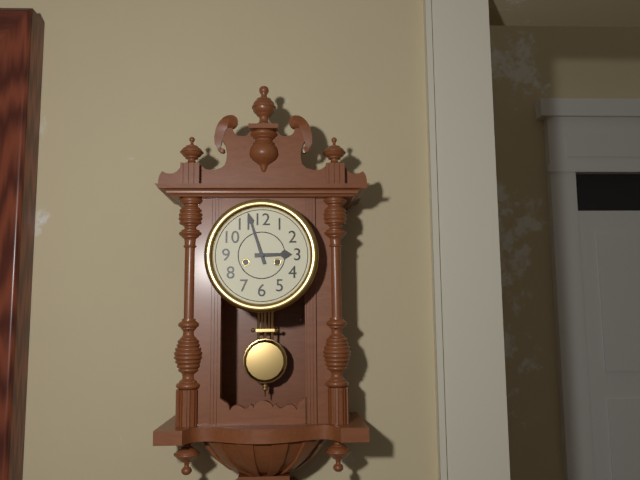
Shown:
2.57
